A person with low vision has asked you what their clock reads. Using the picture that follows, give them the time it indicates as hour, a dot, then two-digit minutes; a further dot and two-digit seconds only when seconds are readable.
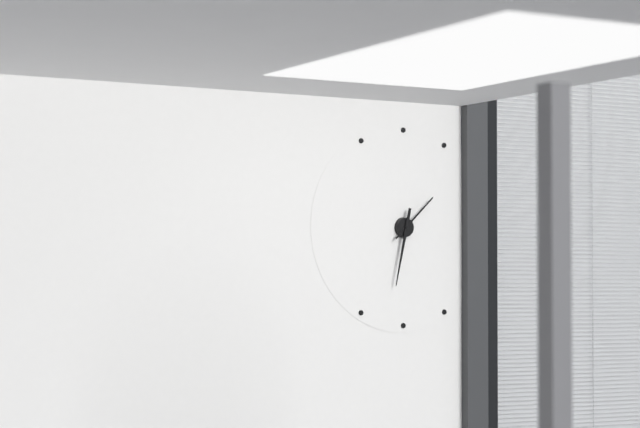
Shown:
1.32
